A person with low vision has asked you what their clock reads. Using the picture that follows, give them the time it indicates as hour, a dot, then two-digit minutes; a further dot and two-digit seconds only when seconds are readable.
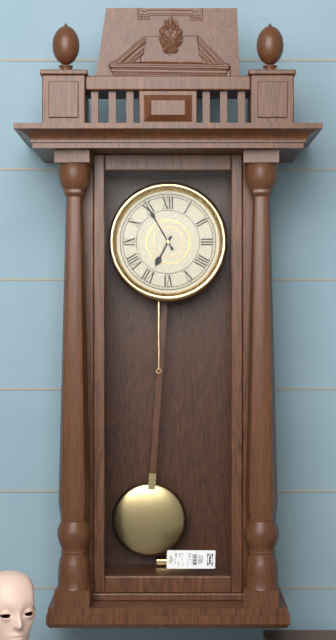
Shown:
6.55
